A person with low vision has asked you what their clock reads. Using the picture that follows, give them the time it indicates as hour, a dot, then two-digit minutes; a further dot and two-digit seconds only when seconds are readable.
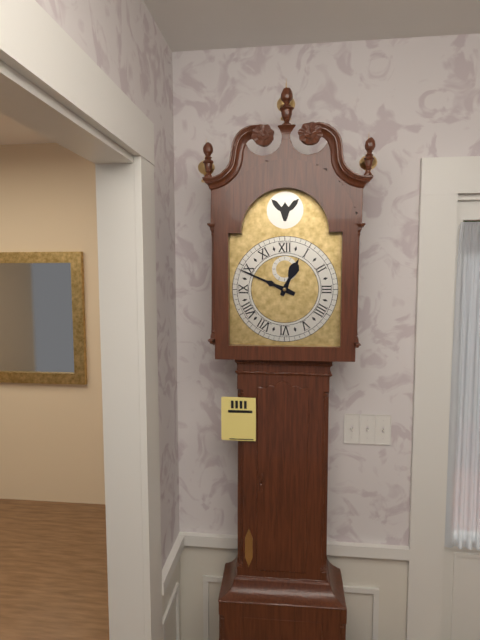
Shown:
12.49
